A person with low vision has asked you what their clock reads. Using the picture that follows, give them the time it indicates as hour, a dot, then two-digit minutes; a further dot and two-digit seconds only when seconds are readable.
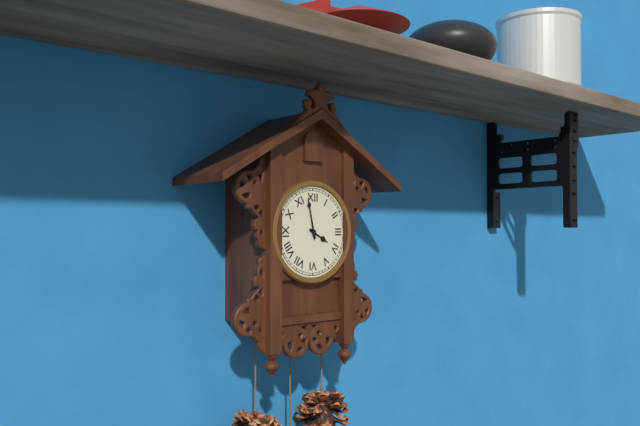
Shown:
3.58
